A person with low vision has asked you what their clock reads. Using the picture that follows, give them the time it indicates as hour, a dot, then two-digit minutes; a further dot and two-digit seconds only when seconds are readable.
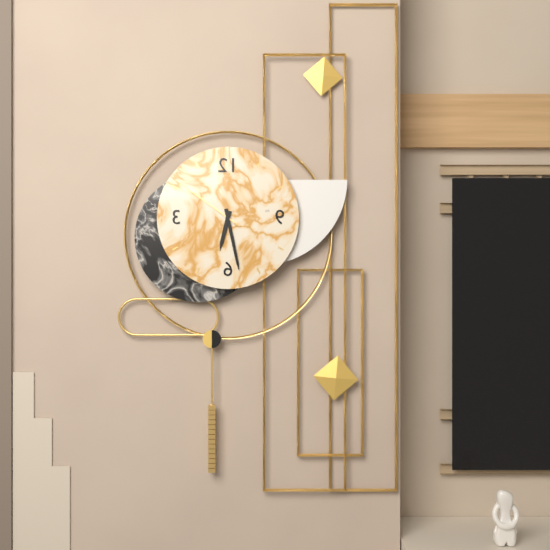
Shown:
6.28.51
